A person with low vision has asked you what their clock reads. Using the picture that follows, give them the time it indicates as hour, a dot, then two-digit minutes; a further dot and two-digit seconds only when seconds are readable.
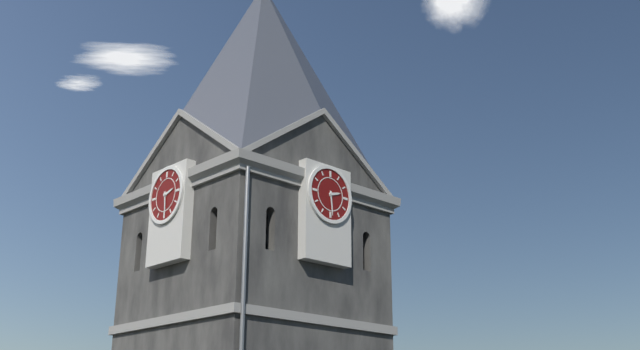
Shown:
2.29
